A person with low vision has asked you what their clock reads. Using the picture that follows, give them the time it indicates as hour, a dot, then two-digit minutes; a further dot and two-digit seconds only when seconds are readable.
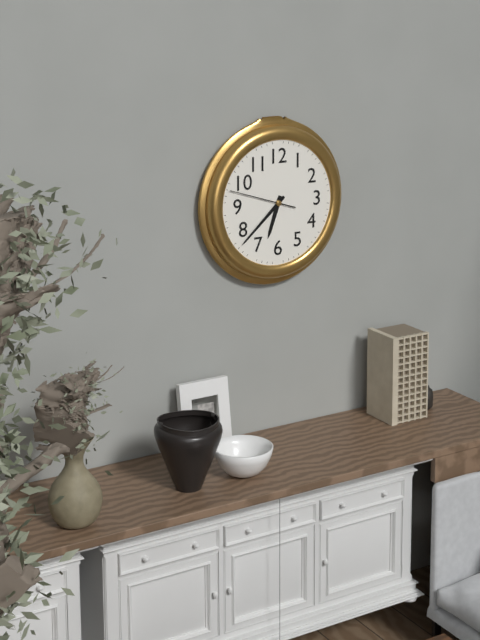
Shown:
6.38.48
